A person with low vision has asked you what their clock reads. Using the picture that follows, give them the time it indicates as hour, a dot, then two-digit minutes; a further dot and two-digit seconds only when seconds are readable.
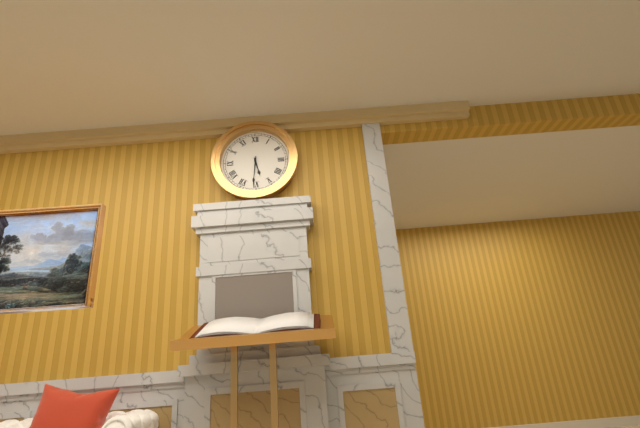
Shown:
5.31
